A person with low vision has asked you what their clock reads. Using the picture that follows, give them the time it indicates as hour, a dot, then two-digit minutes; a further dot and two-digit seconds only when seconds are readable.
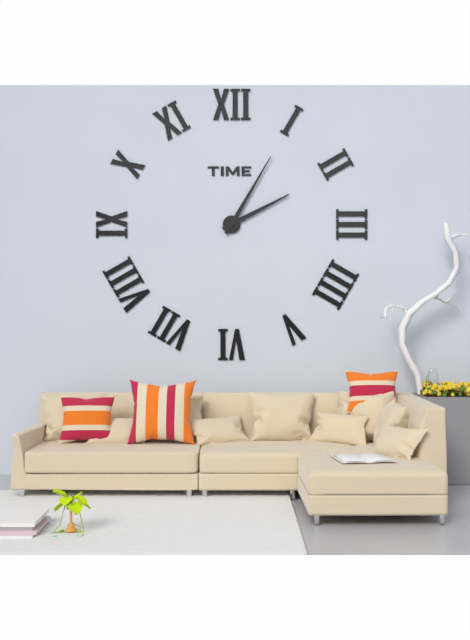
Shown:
2.05
